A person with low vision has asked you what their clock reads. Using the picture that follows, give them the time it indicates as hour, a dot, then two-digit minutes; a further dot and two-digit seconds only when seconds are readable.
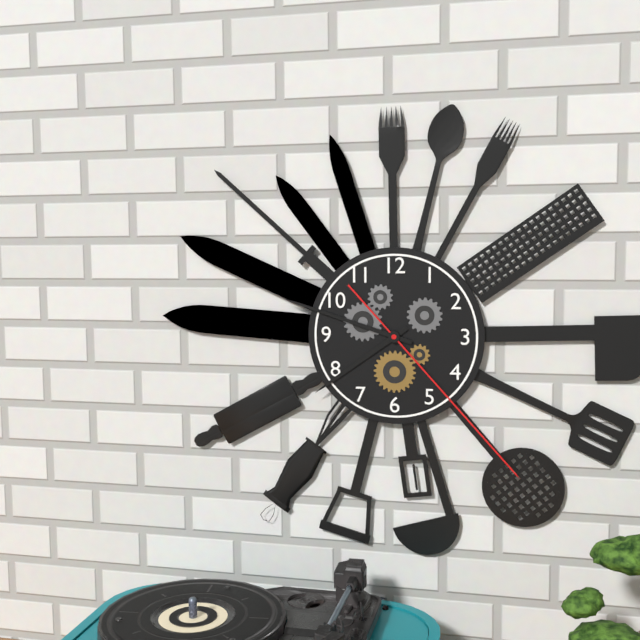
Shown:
7.48.23
